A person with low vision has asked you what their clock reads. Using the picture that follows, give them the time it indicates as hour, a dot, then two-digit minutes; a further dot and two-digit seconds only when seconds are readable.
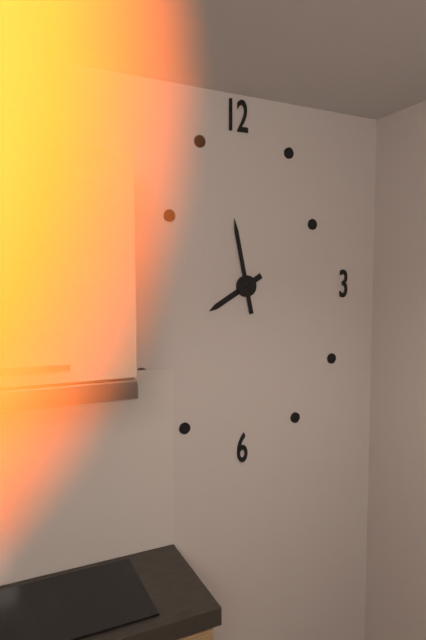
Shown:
7.58
